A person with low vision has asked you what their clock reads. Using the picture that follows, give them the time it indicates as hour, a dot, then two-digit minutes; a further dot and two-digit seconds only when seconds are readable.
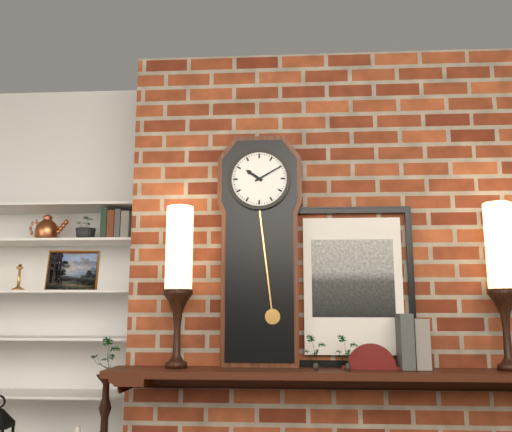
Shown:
10.10
